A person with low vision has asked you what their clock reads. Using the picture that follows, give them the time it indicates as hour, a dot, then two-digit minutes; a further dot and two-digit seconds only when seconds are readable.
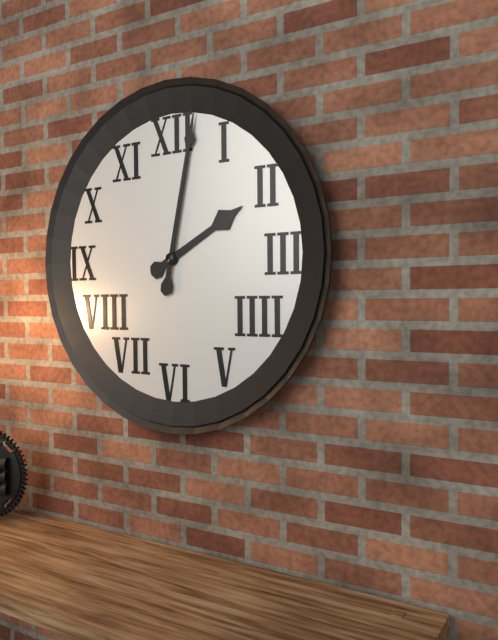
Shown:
2.02
